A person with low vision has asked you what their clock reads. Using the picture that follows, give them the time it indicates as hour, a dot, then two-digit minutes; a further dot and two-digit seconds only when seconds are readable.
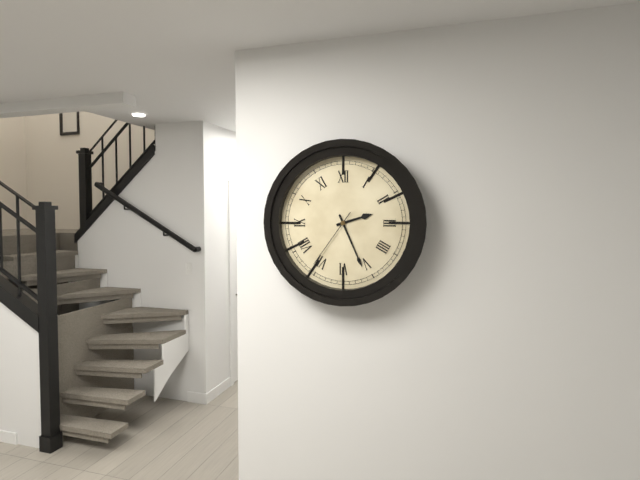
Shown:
2.26.36
